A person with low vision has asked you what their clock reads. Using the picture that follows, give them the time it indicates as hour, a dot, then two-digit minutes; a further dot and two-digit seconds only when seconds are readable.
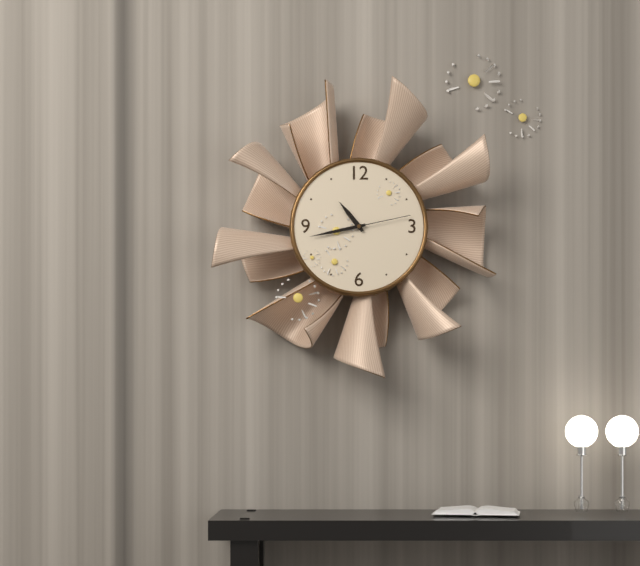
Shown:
10.43.13
